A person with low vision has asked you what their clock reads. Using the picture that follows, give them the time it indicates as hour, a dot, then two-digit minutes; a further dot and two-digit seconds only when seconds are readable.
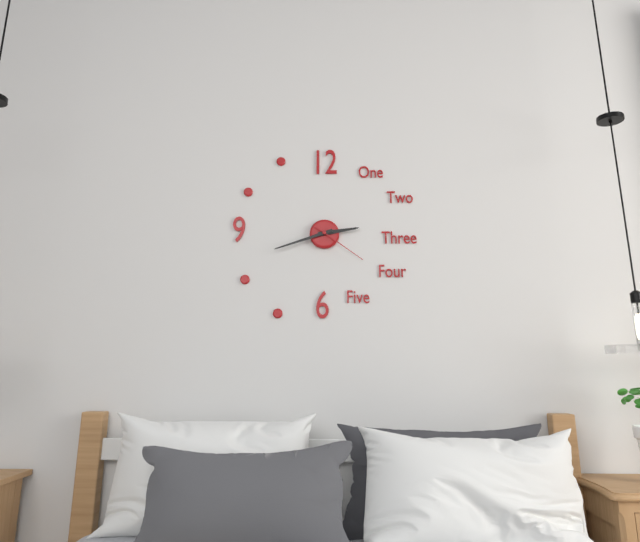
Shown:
2.42.21
